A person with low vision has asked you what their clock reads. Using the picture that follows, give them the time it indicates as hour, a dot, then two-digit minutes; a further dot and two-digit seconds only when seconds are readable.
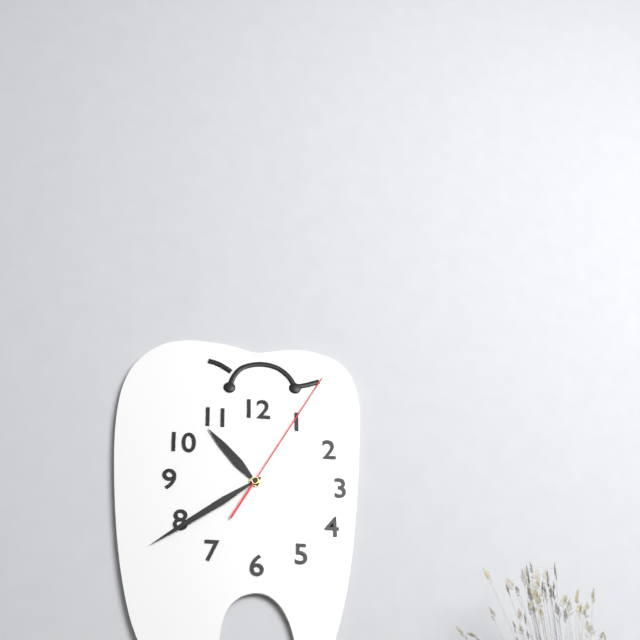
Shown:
10.39.05
